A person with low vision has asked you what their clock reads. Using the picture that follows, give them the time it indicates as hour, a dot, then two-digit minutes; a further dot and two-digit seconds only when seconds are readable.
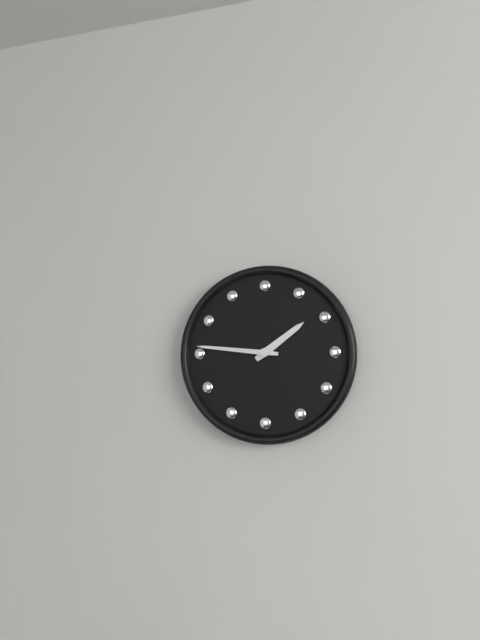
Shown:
1.46
